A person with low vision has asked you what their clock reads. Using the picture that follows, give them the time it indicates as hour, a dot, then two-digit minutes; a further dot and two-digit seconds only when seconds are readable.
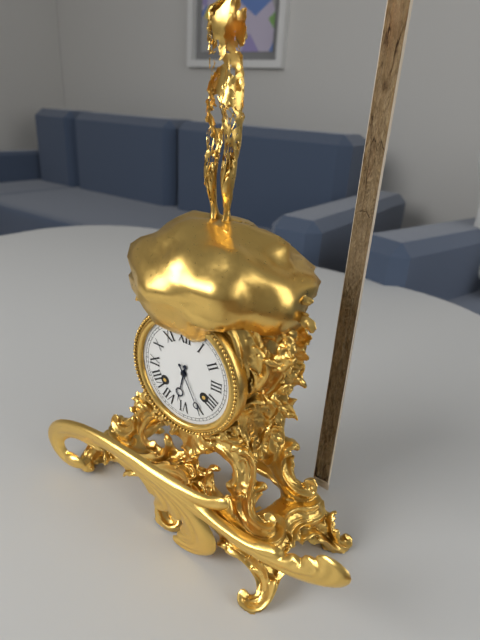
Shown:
6.25
